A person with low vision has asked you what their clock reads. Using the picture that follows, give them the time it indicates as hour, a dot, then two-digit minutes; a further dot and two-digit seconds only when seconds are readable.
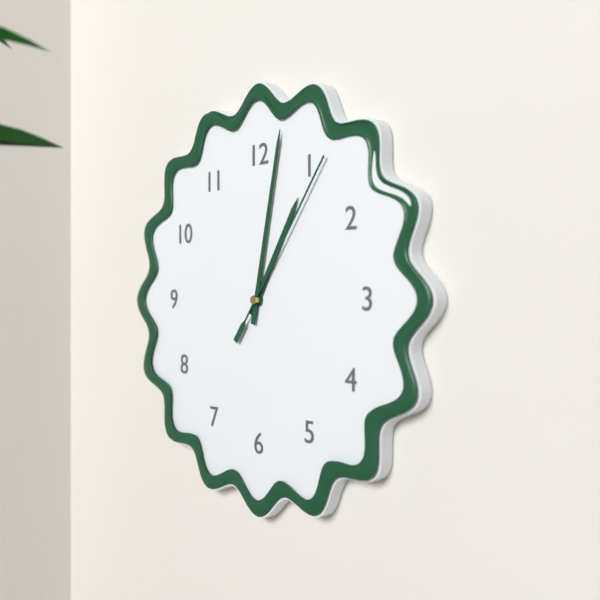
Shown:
1.02.06
